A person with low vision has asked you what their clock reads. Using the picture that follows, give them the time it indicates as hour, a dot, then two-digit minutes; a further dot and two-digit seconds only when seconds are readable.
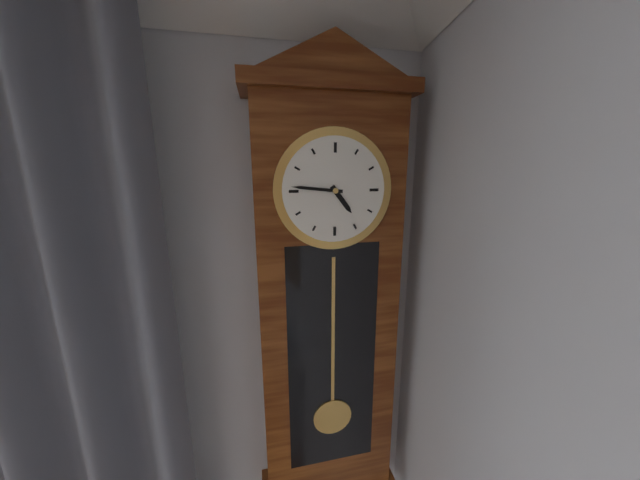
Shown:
4.46
